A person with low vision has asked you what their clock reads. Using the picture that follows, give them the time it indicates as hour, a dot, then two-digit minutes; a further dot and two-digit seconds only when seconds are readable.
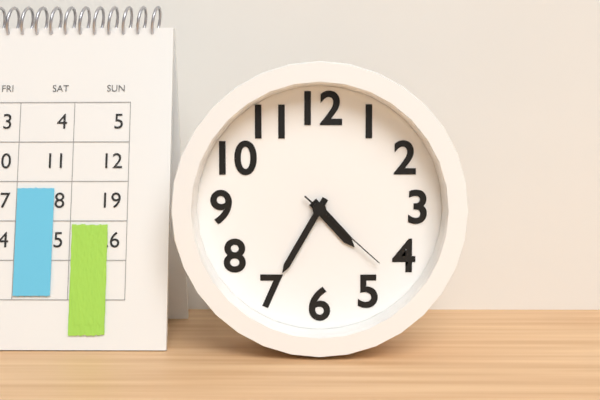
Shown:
4.35.22
